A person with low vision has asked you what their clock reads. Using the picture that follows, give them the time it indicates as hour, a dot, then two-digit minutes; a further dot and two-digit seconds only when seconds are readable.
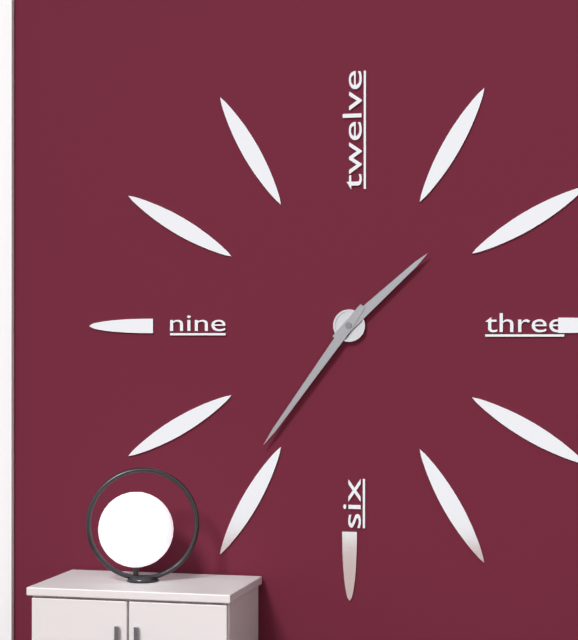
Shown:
1.36
